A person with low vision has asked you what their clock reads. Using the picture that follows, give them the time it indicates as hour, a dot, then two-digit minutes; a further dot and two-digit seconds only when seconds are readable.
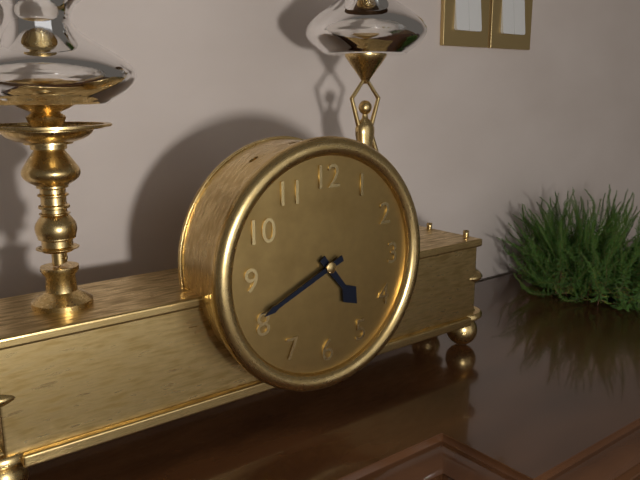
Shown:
4.41
